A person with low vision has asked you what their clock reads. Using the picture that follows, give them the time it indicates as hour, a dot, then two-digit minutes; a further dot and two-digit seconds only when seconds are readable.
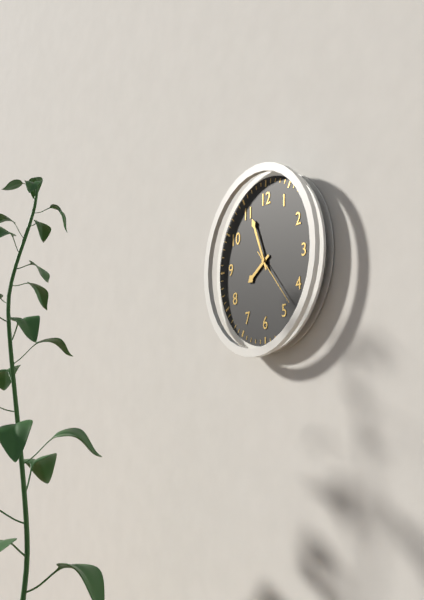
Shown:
7.56.23
